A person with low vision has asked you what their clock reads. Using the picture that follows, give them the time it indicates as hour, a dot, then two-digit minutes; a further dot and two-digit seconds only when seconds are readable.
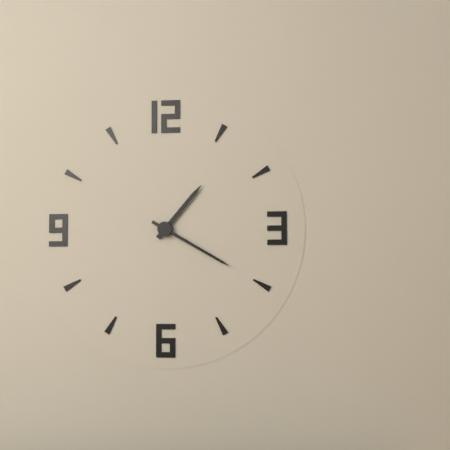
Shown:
1.20
